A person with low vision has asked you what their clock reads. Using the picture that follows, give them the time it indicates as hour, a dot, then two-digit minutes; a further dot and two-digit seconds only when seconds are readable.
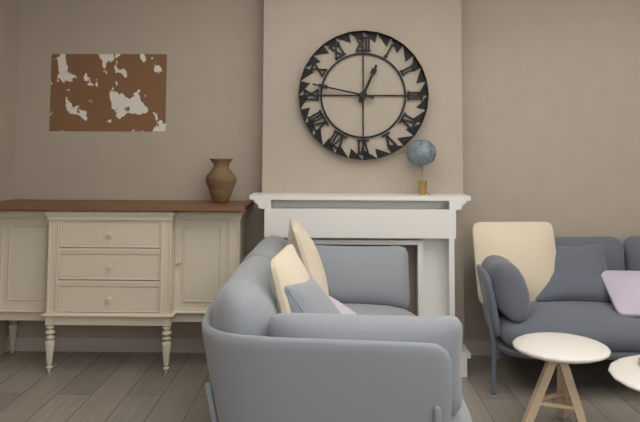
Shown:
12.47
